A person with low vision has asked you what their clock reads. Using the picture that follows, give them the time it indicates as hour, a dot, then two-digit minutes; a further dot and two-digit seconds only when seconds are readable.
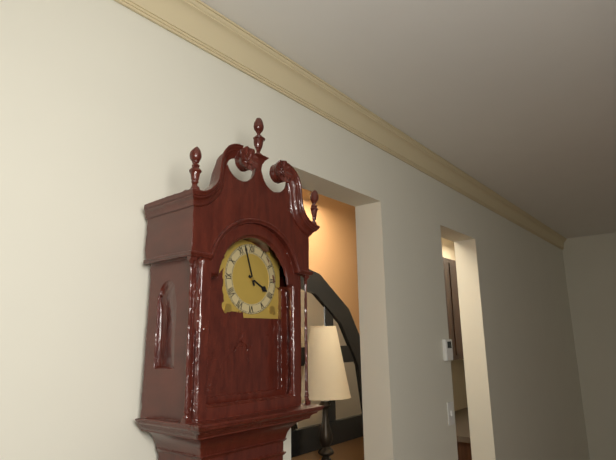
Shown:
3.57
